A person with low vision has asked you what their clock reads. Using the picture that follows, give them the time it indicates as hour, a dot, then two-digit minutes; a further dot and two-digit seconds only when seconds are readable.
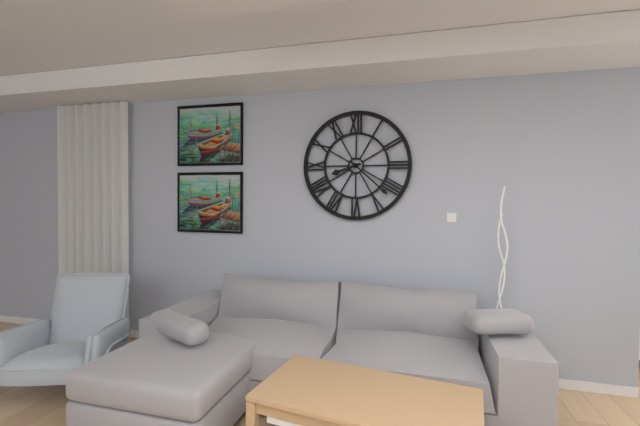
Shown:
8.22
